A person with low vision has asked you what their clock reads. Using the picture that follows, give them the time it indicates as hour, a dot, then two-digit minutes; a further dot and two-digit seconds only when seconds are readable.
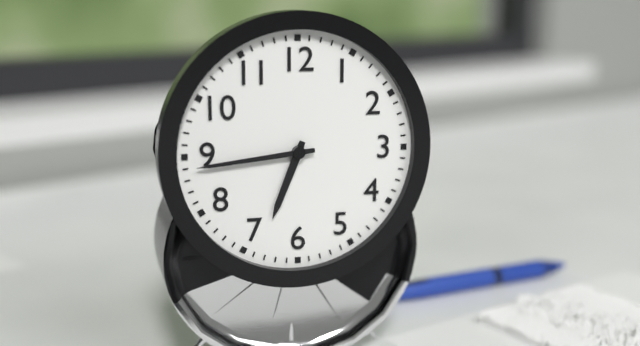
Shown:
6.44
